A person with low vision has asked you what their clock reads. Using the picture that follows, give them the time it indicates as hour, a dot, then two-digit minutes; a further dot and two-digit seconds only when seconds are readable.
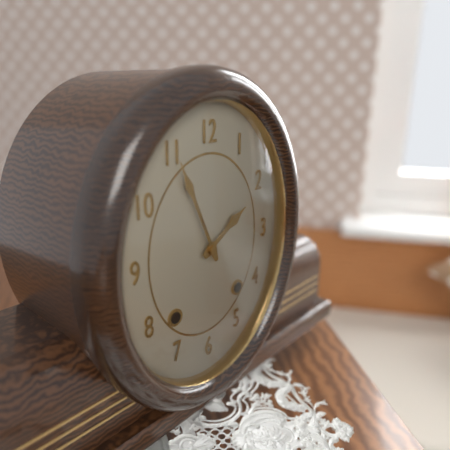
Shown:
1.56
